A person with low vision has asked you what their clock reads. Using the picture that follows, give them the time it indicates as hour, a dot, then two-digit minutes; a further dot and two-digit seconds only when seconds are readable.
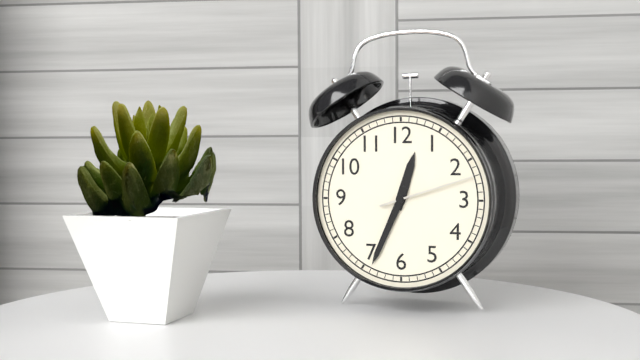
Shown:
12.34.12
